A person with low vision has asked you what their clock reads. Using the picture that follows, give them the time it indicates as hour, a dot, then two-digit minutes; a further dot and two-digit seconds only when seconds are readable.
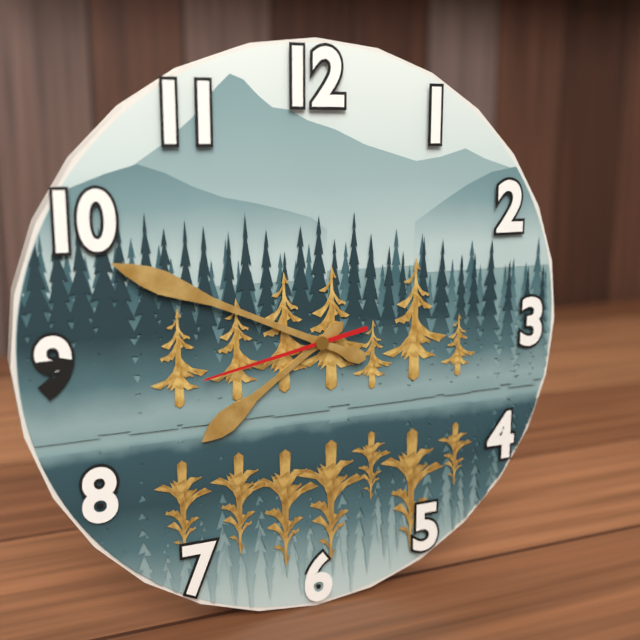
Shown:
7.49.43
